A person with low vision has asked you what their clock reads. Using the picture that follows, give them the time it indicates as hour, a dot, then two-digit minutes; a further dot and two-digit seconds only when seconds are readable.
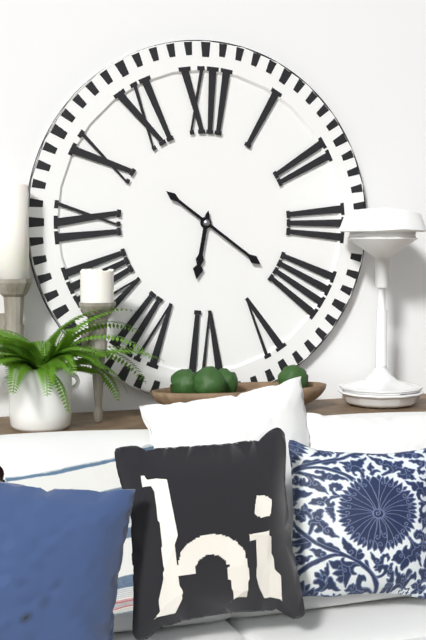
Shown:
6.21
